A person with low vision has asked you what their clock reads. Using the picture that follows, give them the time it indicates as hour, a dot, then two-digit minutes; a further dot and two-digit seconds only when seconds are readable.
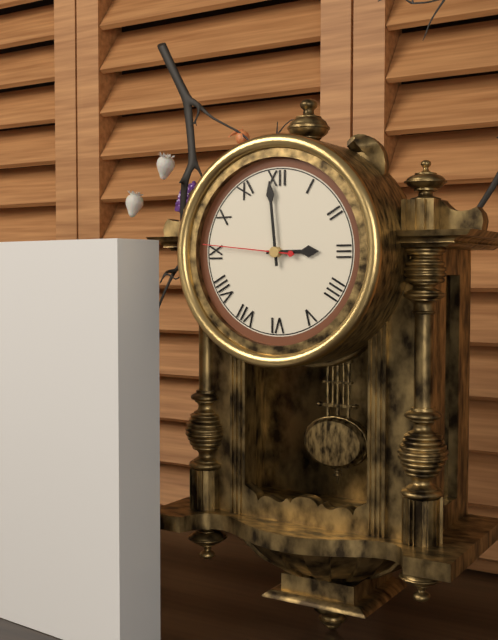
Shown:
2.59.46
